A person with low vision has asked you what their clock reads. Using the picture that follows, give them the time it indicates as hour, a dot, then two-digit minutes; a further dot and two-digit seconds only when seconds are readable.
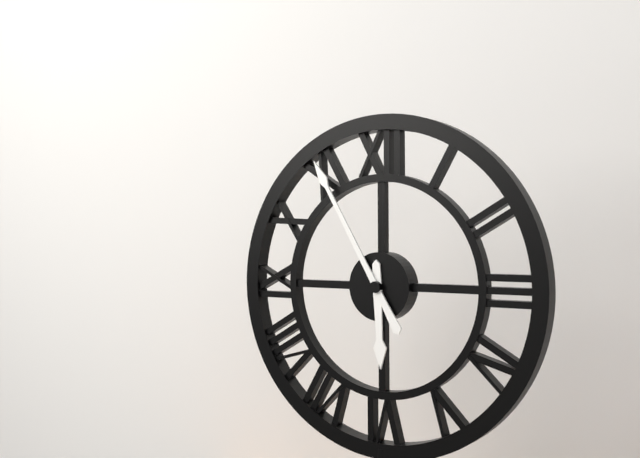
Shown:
5.55
